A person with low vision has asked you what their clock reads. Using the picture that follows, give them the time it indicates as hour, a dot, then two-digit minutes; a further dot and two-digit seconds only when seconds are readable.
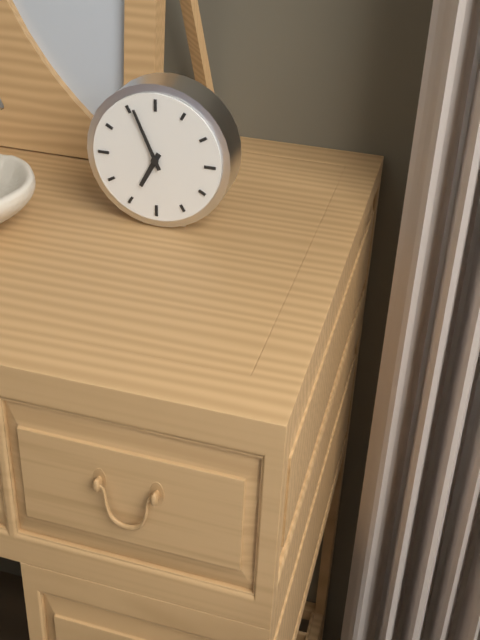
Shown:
6.56
